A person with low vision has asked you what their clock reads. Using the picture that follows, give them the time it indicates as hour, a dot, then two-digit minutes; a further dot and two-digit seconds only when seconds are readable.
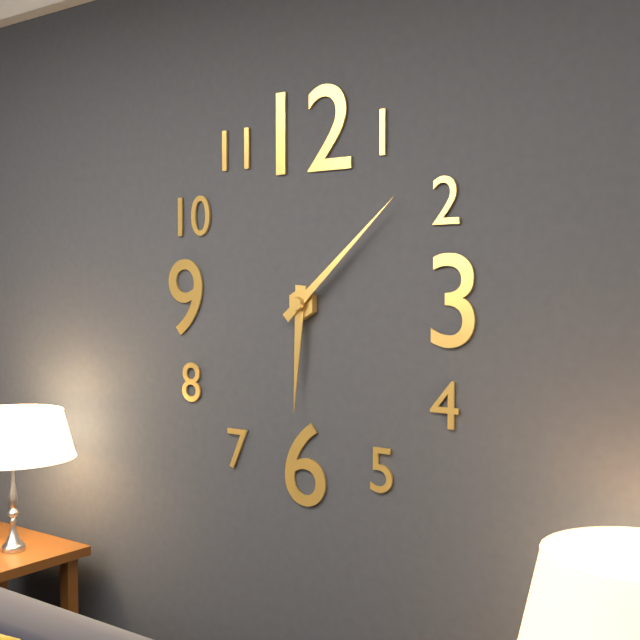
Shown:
6.08
